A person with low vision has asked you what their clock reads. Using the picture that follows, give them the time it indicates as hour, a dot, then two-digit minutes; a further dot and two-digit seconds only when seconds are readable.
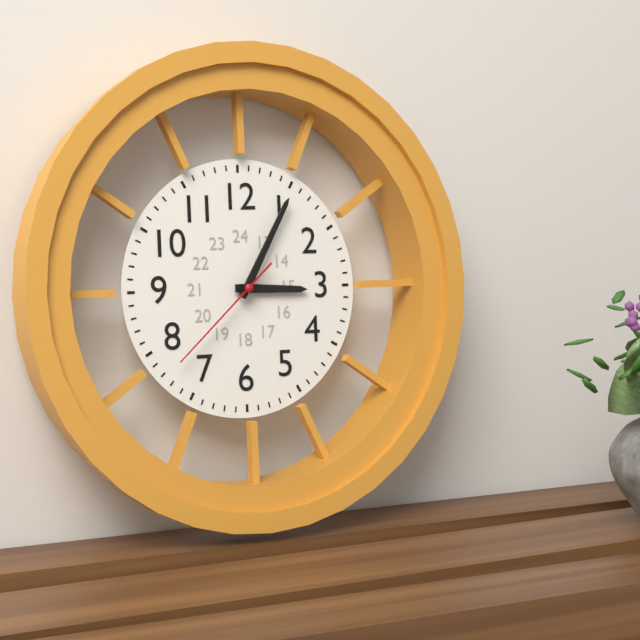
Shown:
3.05.38
